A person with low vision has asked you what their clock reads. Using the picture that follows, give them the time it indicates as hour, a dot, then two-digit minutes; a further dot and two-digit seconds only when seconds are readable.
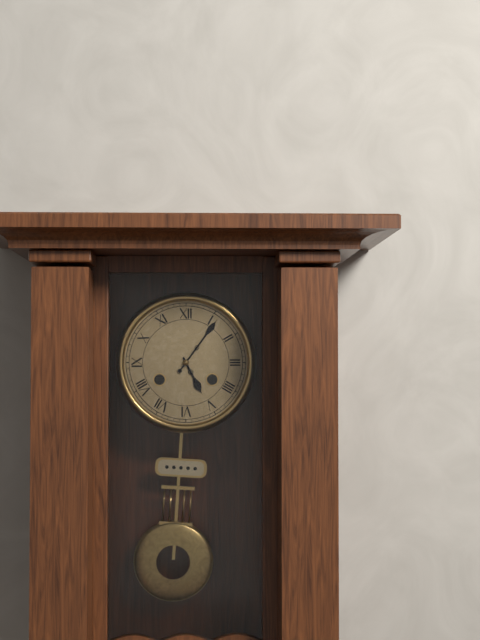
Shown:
5.06
